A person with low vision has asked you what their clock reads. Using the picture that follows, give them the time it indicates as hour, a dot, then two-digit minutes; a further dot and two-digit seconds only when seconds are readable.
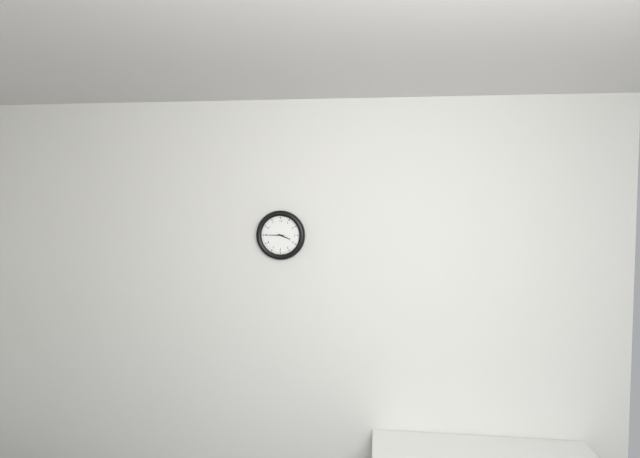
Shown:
3.45
